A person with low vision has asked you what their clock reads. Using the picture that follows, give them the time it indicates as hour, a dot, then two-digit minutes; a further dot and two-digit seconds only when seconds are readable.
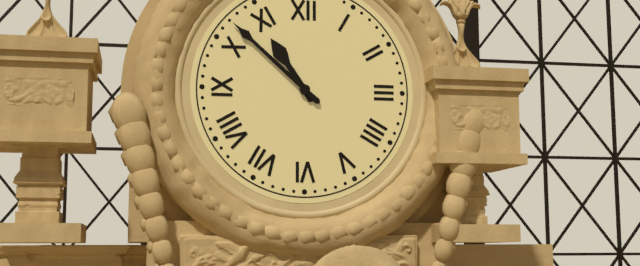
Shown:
10.52
